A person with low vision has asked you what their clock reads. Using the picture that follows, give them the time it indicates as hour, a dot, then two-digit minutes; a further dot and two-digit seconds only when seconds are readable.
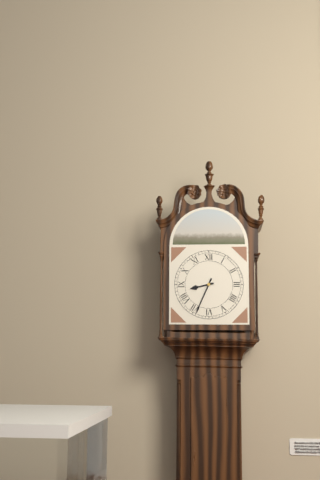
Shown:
8.34
